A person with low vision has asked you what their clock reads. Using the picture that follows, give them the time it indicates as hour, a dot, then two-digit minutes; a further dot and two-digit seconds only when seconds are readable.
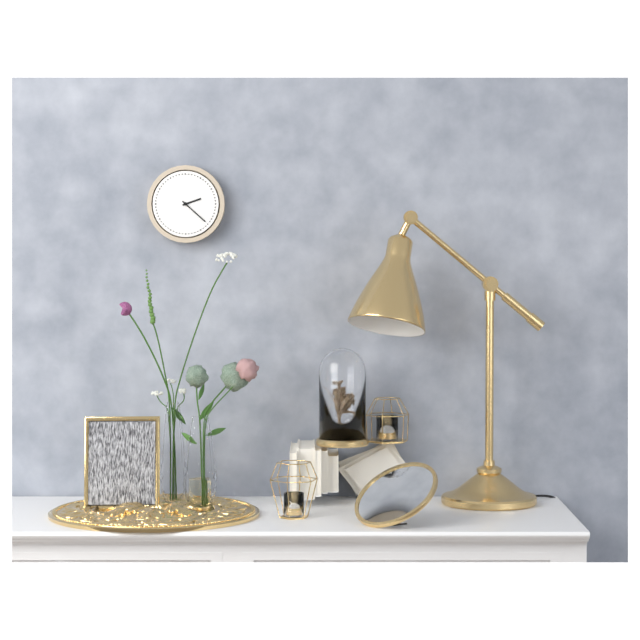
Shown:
2.22
